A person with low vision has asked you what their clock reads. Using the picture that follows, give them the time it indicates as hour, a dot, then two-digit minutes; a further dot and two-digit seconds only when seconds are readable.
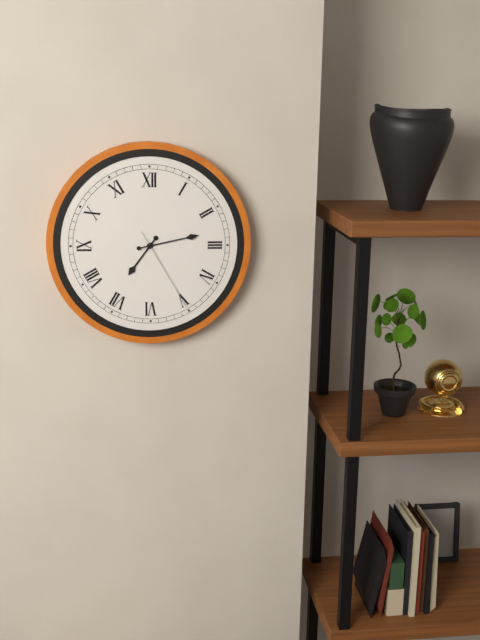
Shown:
7.13.25
